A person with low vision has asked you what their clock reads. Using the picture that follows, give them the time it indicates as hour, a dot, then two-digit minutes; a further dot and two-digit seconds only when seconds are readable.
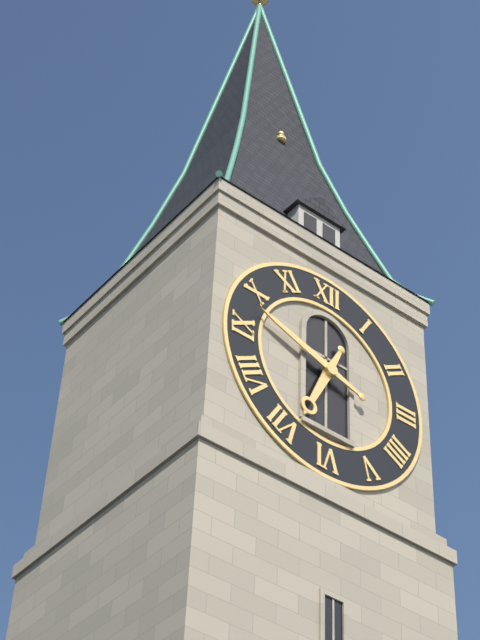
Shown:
6.48
